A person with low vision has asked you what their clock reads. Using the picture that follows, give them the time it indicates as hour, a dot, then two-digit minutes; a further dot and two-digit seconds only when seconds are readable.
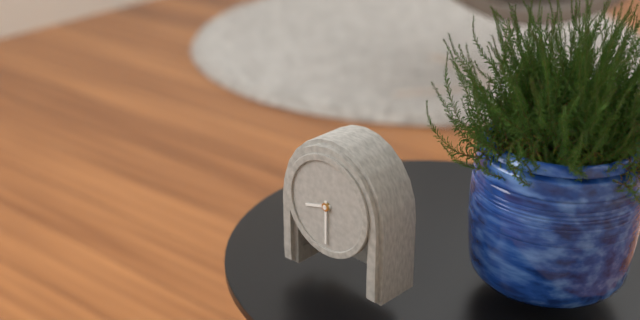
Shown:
8.30
